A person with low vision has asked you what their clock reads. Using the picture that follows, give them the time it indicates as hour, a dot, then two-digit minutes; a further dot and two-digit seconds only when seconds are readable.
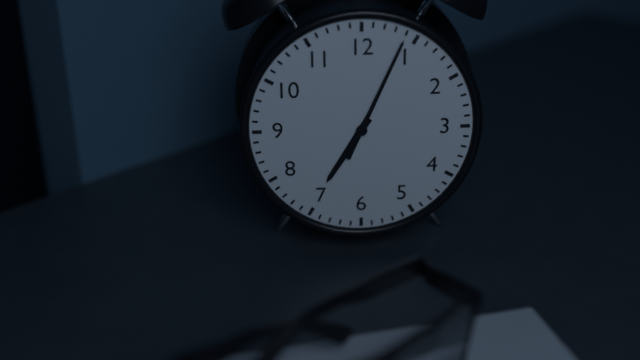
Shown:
7.04
